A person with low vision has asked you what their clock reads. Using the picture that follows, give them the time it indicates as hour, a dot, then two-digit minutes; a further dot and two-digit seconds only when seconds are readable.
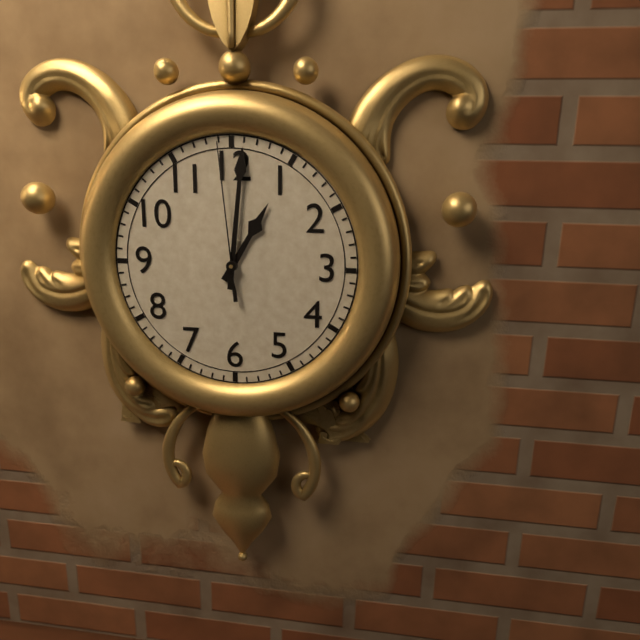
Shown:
1.01.59
